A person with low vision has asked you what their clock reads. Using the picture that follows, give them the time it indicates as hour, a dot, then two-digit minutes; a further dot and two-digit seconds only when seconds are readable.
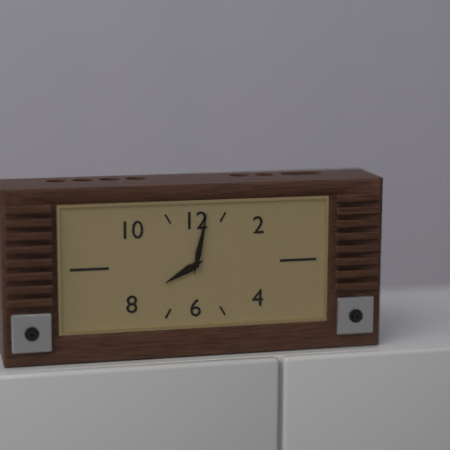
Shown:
8.02
